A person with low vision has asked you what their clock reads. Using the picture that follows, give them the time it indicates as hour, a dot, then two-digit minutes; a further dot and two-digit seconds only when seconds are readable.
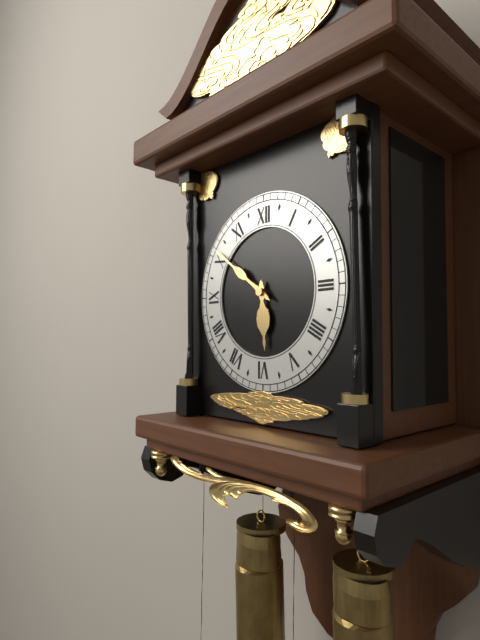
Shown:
5.51
